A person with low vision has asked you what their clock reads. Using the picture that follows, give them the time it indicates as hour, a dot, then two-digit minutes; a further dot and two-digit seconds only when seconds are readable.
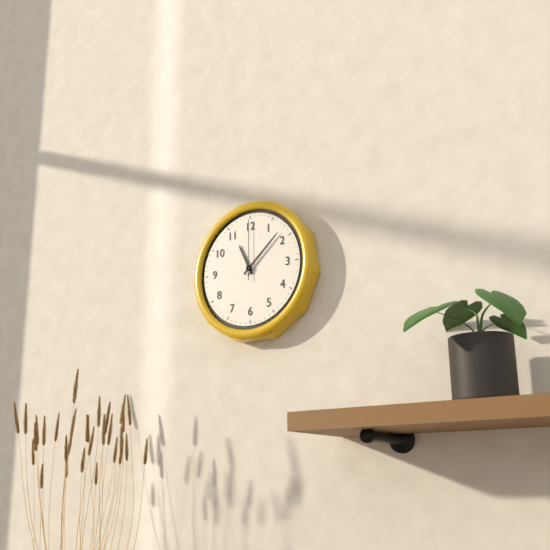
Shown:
11.08.00
